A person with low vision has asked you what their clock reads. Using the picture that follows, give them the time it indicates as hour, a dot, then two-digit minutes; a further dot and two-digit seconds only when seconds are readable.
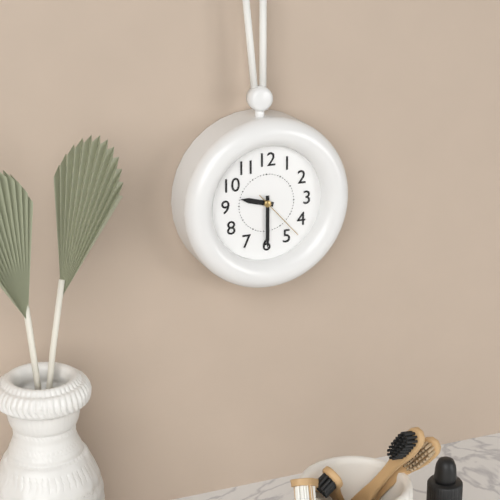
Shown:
9.30.23
